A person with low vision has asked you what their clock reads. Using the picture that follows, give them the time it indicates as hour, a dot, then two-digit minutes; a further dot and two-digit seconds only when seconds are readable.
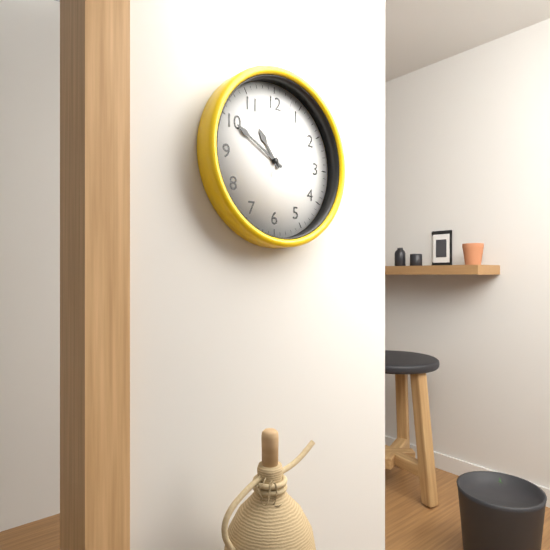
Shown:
10.50.03
